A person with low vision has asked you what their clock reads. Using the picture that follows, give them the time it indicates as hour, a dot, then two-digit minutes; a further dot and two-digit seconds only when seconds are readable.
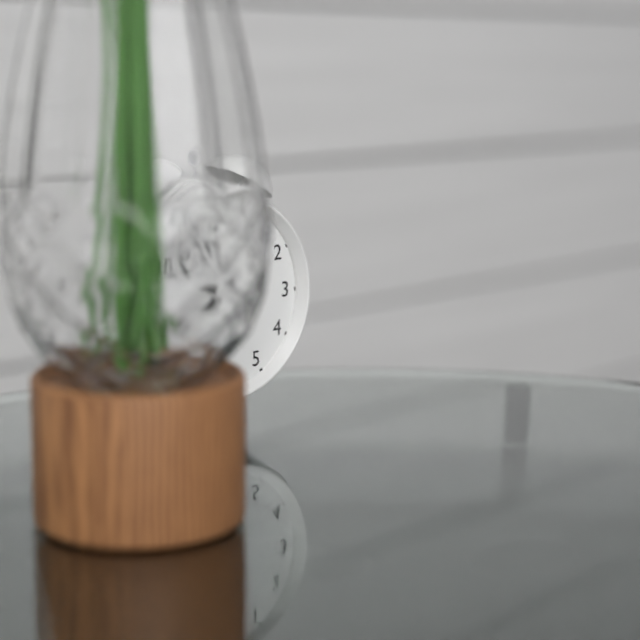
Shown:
9.53
